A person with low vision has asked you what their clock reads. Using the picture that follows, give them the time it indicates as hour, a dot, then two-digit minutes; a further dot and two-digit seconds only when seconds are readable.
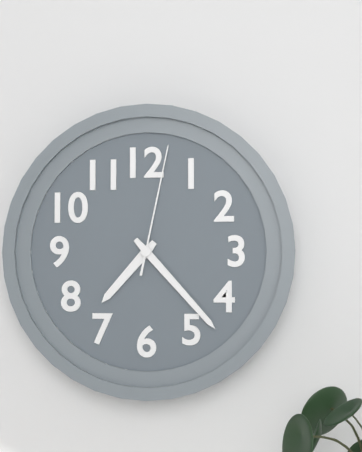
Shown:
7.23.02
